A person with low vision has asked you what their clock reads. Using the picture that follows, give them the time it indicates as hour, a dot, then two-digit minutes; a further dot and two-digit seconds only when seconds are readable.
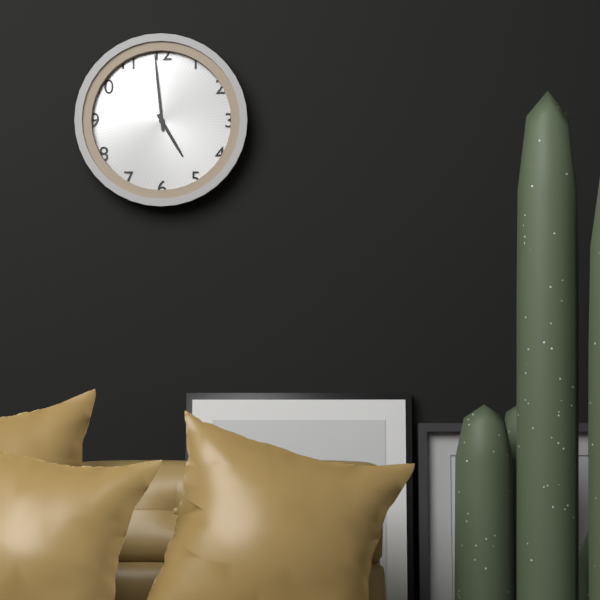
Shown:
4.59
